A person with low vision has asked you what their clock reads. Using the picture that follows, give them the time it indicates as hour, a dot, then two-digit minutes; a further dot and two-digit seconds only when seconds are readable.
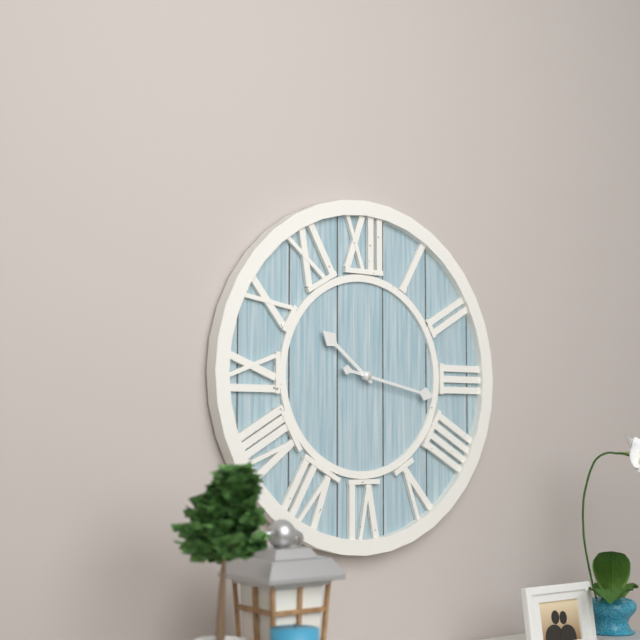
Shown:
10.17
